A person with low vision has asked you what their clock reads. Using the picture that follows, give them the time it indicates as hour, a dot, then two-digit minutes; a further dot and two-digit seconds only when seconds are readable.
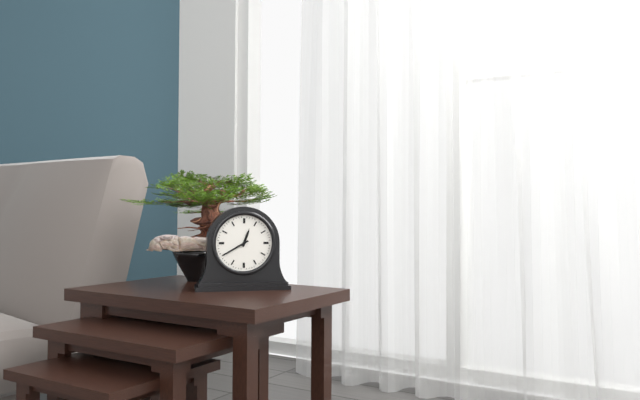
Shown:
12.40
